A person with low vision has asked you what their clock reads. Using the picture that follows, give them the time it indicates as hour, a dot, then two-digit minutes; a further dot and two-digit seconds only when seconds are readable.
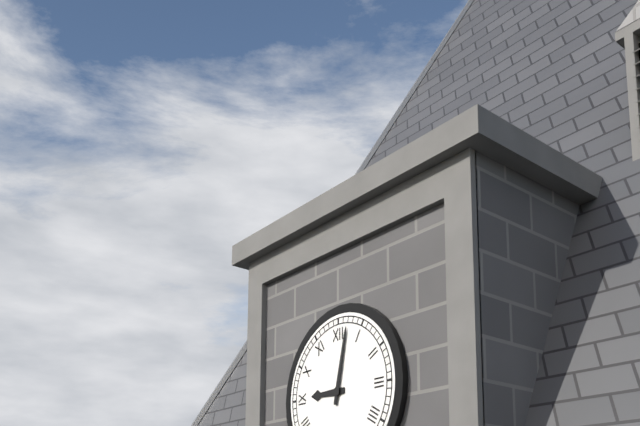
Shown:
9.02
